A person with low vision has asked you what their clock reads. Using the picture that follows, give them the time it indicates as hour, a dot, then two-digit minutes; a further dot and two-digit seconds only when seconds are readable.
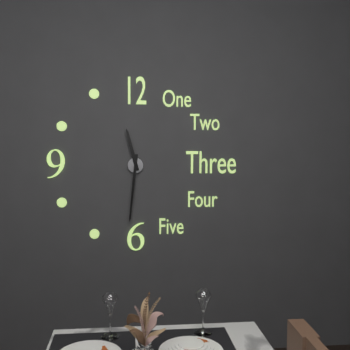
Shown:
11.31
